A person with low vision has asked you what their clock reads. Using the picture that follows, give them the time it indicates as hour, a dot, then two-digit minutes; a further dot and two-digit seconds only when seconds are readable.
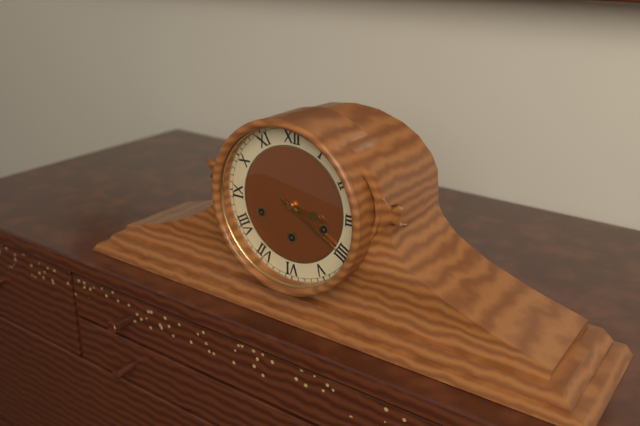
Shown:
3.20
